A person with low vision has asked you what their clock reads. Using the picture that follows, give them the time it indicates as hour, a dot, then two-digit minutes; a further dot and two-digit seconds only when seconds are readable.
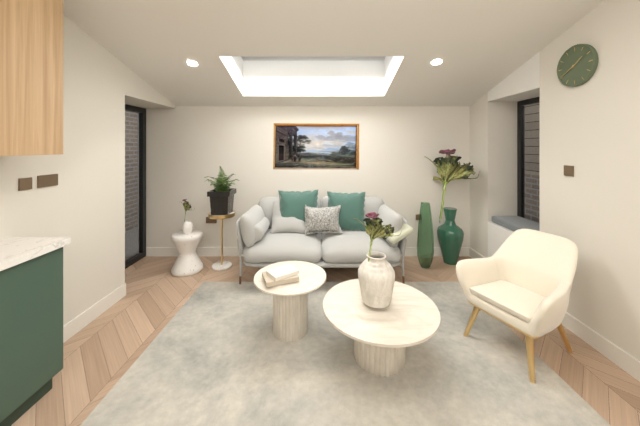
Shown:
1.40
